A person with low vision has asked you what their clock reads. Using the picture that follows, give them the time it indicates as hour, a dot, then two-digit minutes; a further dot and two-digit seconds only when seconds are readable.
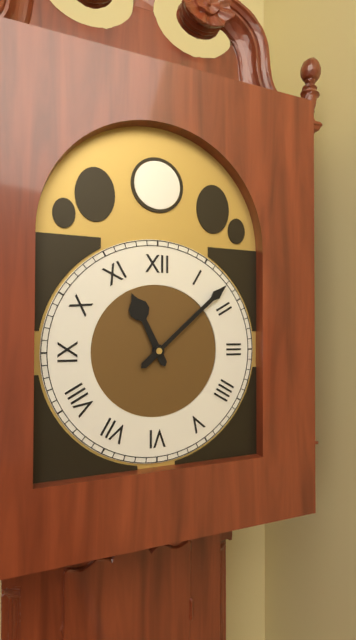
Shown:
11.08
